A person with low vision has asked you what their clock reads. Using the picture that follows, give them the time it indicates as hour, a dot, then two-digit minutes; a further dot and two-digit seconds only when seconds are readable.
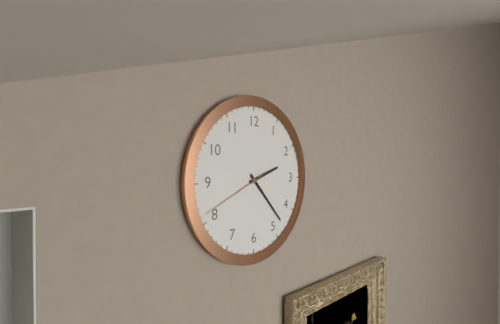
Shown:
2.23.41
